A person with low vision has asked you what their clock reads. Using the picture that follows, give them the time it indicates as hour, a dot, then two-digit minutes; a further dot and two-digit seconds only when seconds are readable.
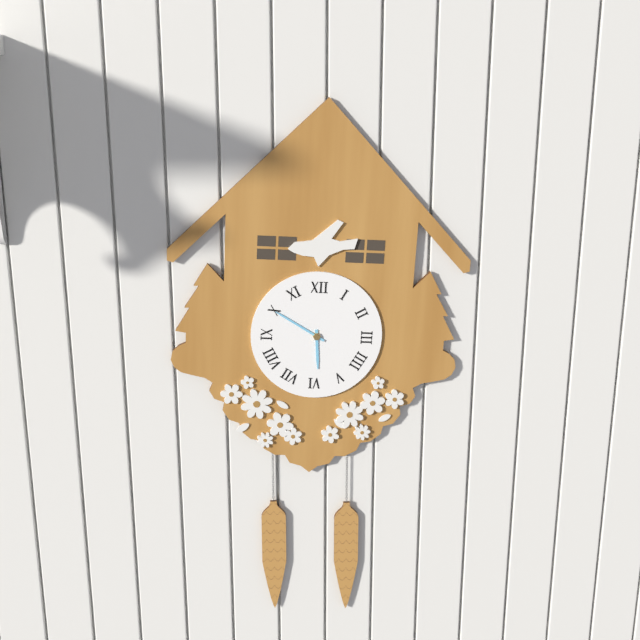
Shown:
5.50
